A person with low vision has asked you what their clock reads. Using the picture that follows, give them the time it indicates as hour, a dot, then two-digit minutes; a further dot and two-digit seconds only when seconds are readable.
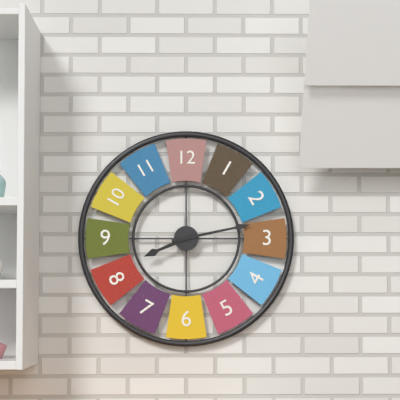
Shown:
8.13
